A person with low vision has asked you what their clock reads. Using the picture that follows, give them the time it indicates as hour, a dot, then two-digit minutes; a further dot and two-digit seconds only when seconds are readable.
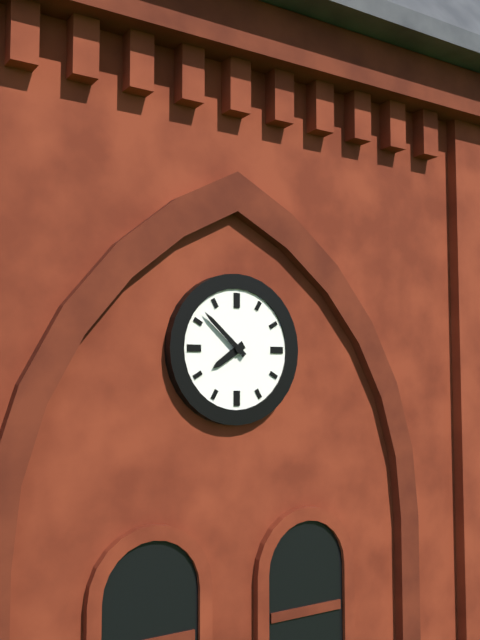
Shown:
7.52
